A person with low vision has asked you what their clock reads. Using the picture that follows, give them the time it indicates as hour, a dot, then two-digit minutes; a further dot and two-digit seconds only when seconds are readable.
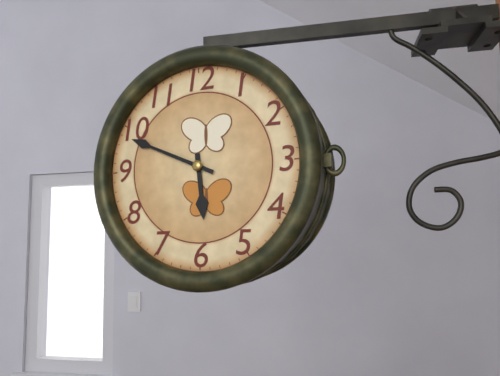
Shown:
5.49
